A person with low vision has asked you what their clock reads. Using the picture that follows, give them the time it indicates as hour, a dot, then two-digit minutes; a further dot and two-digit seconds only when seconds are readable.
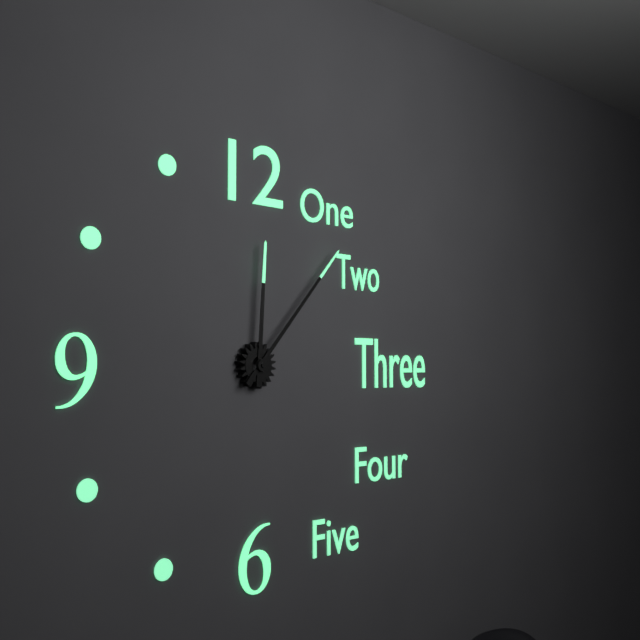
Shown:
12.07
